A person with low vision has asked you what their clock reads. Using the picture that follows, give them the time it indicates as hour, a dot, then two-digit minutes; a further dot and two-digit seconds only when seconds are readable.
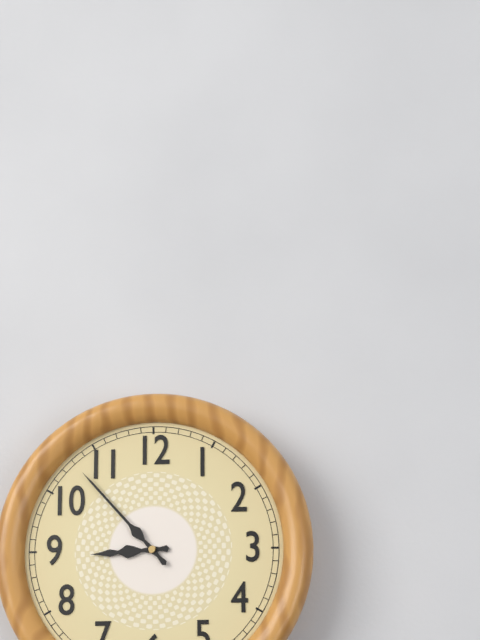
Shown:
8.53
